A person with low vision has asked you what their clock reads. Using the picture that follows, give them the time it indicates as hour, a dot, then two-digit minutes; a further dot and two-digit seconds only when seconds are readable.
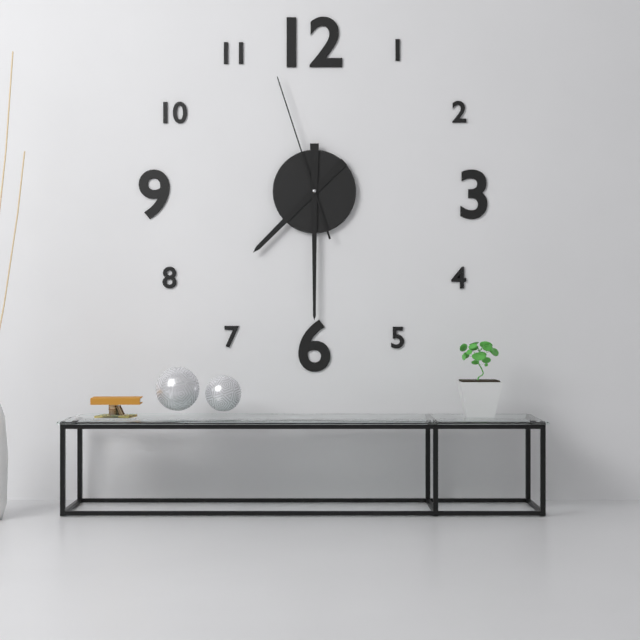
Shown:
7.30.57
